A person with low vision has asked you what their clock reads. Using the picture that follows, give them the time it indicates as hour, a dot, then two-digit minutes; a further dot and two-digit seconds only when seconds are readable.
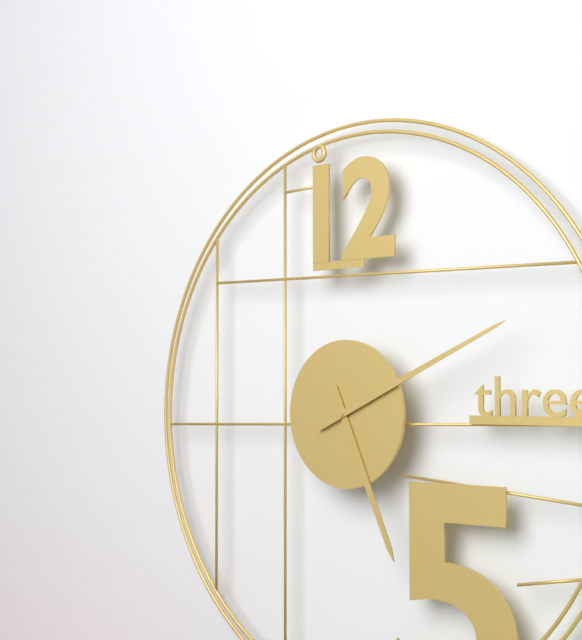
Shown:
5.11
